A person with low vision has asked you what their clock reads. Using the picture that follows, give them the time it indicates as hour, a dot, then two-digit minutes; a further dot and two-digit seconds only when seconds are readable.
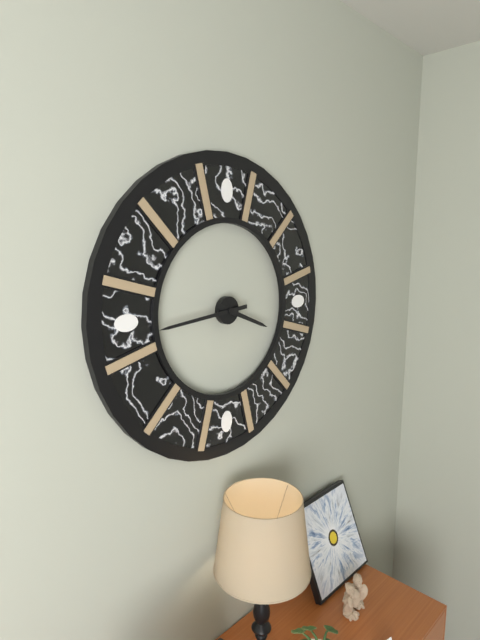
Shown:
3.44
